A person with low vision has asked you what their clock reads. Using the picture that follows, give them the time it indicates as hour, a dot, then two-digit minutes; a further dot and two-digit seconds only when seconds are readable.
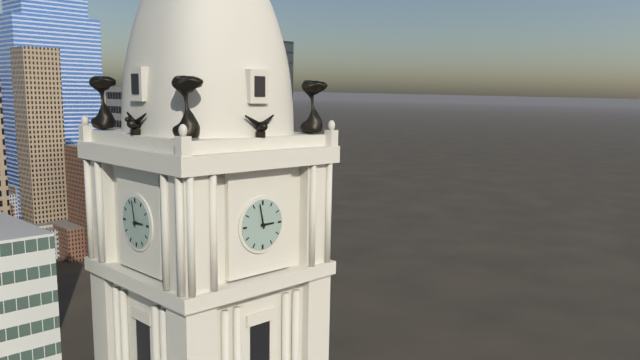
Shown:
2.58
